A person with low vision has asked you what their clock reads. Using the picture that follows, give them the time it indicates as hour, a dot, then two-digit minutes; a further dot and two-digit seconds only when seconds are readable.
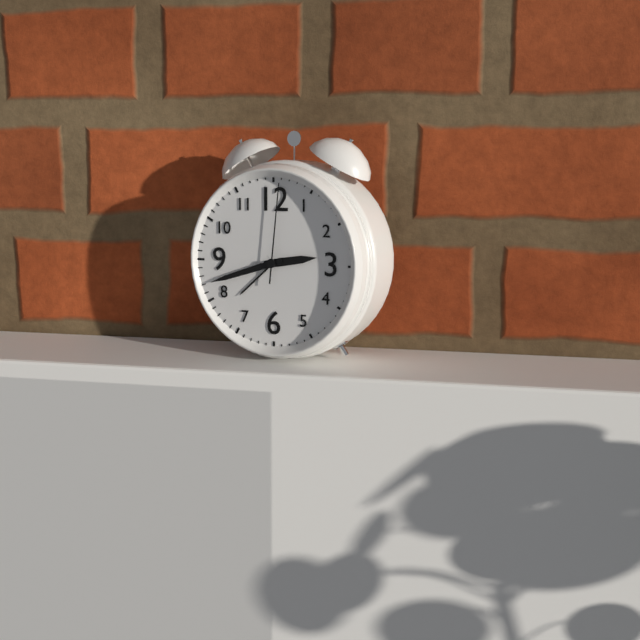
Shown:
2.42.01
